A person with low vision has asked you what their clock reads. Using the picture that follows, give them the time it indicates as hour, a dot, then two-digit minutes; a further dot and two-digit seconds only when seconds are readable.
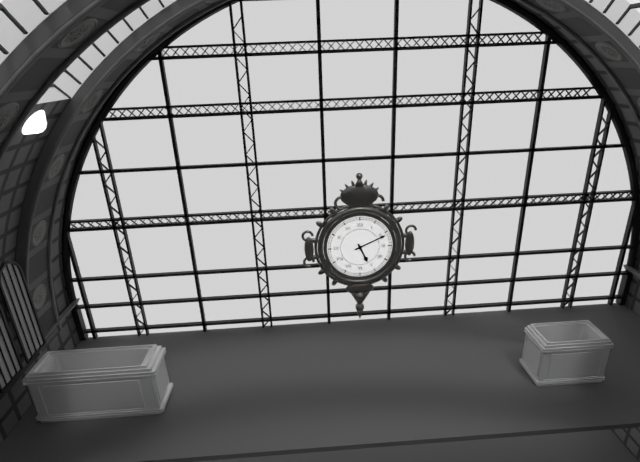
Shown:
5.11
